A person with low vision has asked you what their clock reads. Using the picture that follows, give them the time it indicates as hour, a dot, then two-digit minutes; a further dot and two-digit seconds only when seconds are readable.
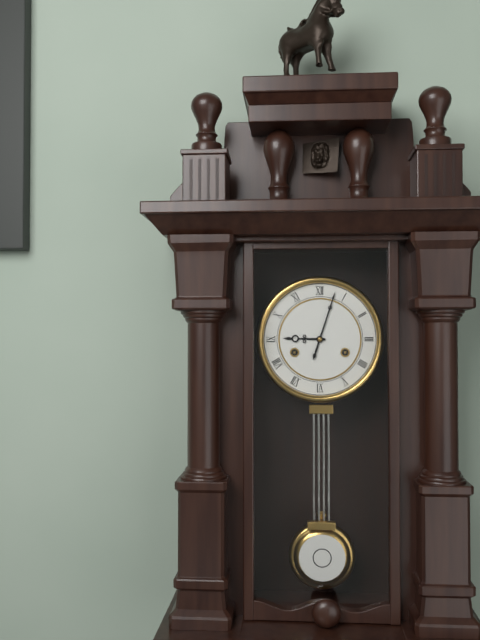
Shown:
9.03
